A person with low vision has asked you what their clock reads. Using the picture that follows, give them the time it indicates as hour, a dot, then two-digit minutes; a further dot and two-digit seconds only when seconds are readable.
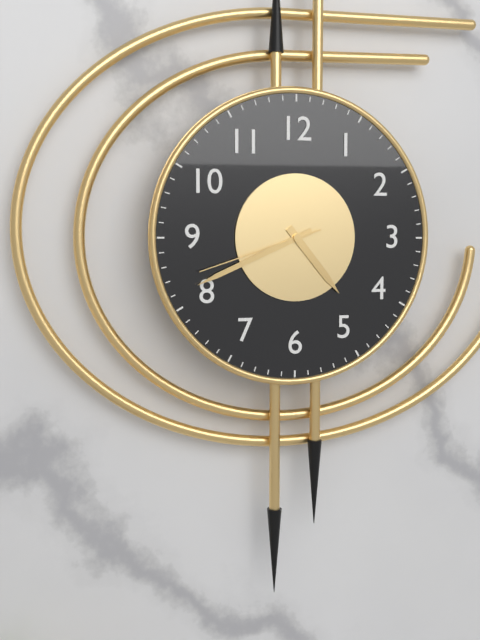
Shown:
4.41.42
